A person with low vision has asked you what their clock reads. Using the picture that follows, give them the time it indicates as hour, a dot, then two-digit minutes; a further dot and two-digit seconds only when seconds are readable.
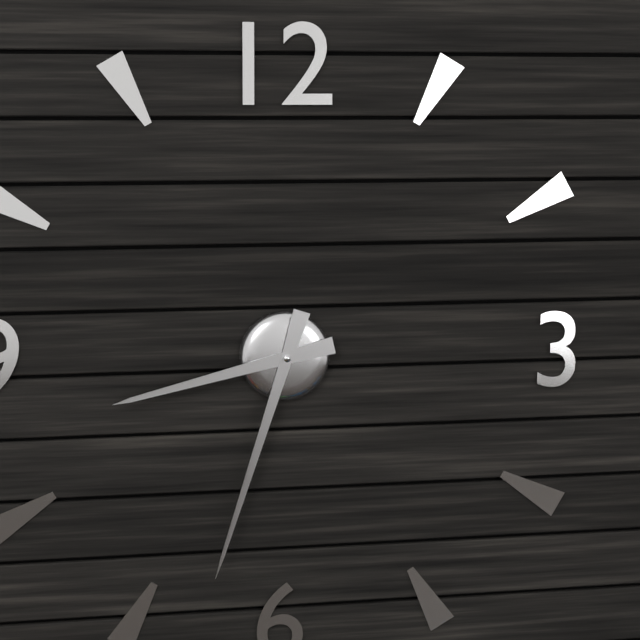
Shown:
8.33
